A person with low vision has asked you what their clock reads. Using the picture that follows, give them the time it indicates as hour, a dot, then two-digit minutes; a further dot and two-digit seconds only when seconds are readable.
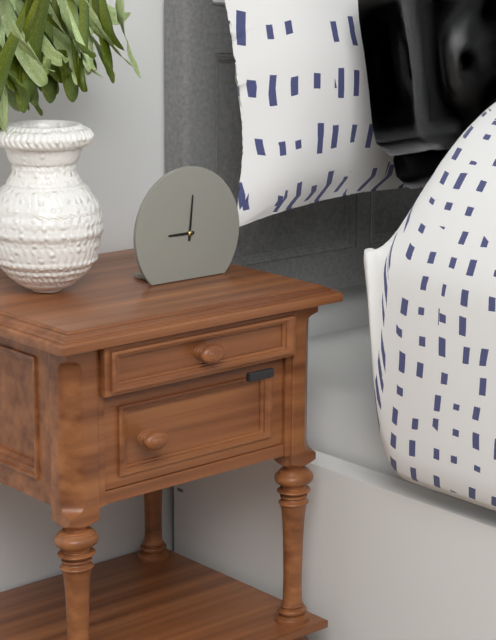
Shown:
9.01
